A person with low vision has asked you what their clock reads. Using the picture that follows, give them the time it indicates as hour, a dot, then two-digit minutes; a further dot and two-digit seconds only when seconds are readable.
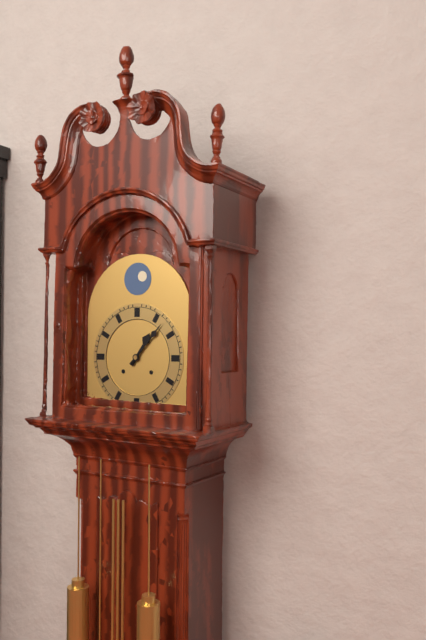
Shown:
1.07
